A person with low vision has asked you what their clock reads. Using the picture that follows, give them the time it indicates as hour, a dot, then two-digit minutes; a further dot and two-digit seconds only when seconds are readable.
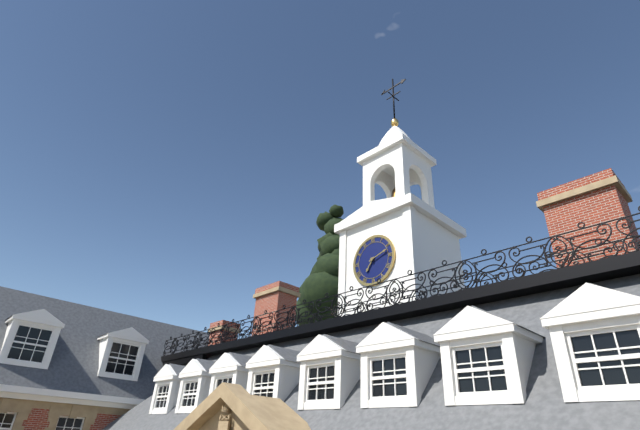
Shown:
7.12
